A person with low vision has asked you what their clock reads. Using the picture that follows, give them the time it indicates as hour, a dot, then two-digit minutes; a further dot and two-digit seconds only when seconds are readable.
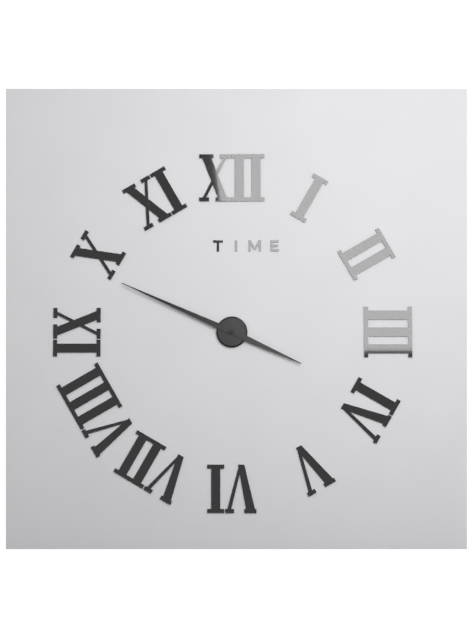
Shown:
3.49
